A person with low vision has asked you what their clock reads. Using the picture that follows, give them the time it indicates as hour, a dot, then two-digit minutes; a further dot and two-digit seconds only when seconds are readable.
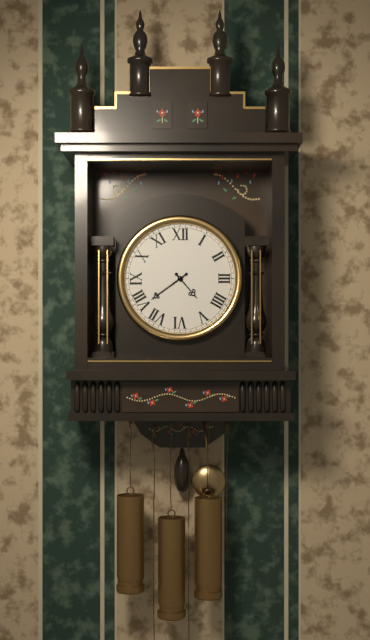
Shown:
4.39
